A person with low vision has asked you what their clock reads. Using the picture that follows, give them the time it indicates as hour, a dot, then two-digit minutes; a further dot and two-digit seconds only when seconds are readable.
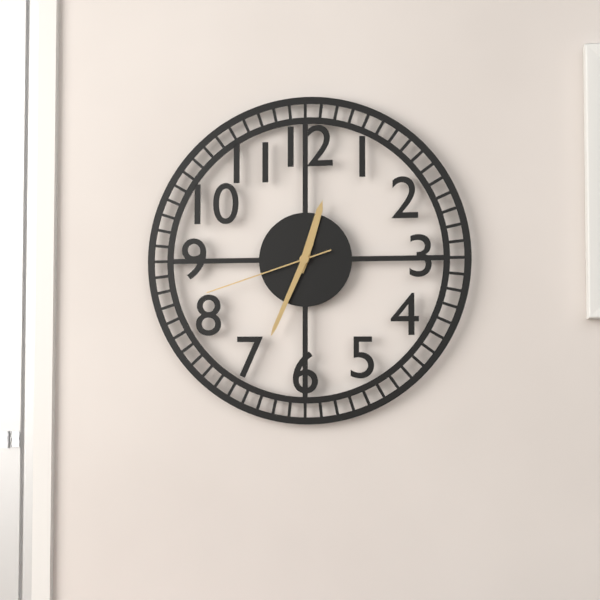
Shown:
12.34.42
